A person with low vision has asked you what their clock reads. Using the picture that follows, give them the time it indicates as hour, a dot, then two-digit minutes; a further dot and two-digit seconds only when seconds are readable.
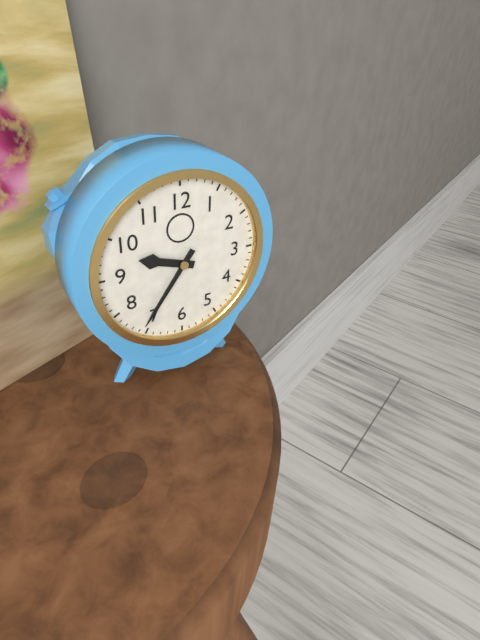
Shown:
9.36
